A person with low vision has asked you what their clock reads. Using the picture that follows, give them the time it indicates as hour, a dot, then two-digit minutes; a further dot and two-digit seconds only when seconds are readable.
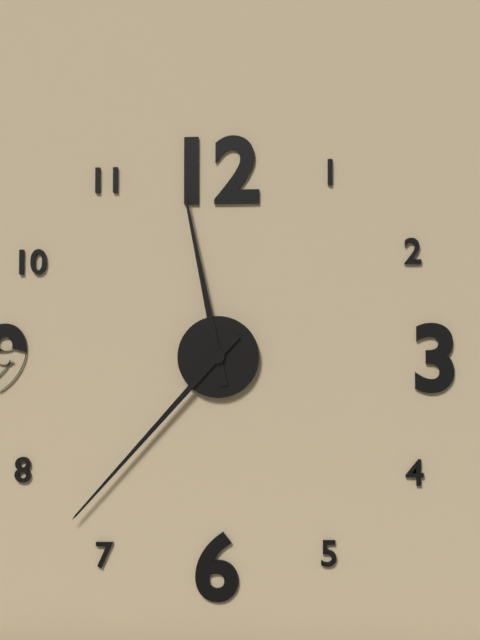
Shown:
11.37
